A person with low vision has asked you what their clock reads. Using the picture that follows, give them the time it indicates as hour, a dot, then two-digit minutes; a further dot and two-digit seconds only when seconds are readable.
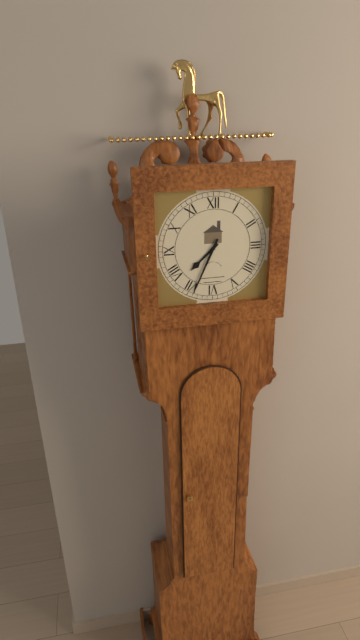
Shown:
7.34
